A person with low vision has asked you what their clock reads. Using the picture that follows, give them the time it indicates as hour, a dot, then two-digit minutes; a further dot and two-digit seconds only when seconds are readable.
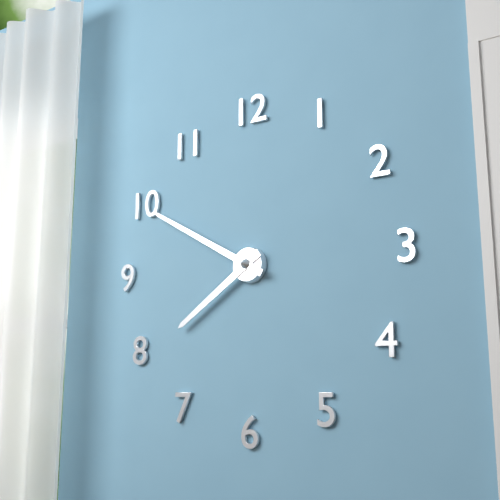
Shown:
7.50
